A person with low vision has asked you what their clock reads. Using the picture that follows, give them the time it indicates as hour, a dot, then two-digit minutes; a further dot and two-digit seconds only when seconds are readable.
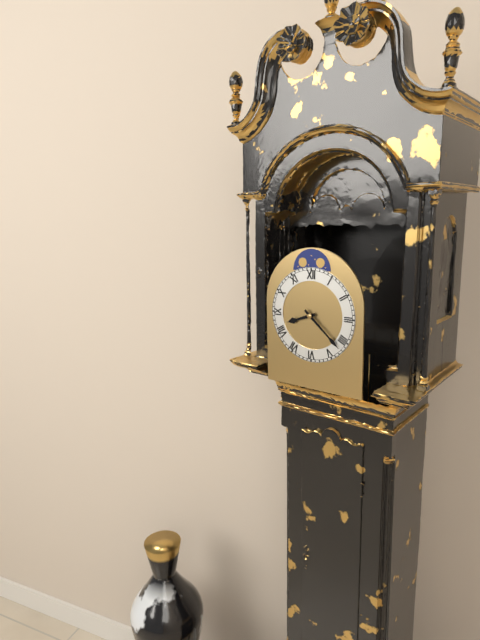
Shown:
8.22
